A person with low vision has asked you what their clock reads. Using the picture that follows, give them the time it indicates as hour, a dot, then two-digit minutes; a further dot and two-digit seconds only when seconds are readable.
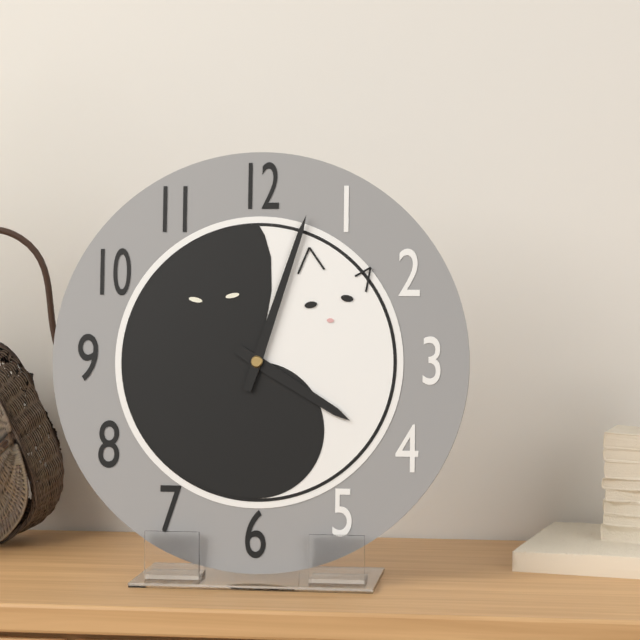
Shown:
4.03
